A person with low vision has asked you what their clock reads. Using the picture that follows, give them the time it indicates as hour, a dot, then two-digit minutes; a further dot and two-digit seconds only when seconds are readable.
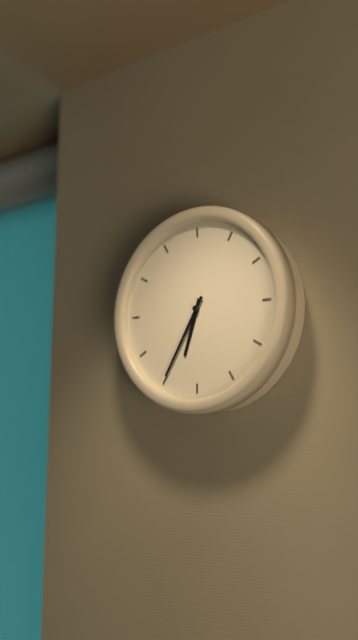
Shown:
6.35
